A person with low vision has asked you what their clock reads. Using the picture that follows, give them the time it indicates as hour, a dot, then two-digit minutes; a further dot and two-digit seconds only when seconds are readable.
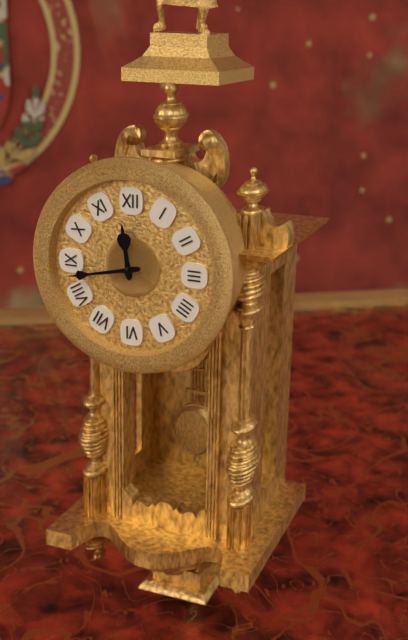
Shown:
11.43
